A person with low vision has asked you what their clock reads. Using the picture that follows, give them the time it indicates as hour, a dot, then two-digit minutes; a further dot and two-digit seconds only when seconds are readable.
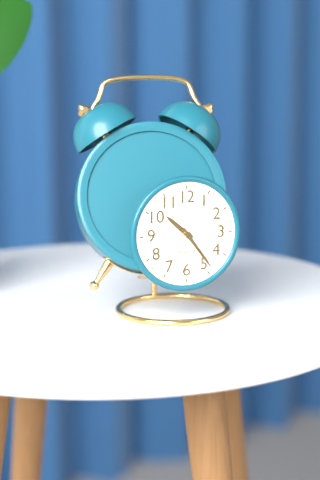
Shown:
10.24
